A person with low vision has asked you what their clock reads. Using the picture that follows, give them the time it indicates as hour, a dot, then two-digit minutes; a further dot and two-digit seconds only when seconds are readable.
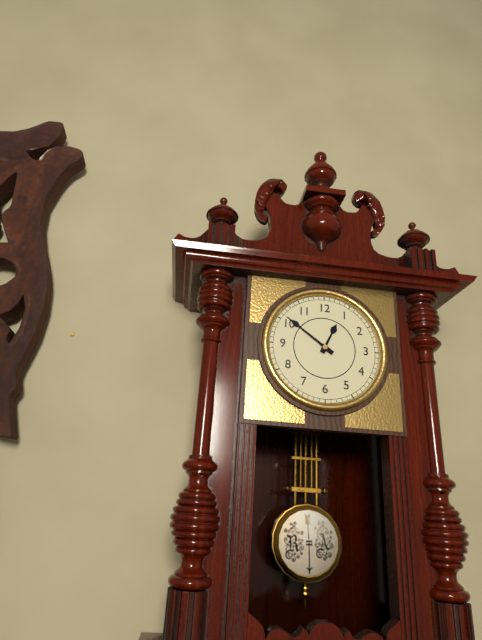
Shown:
12.51
